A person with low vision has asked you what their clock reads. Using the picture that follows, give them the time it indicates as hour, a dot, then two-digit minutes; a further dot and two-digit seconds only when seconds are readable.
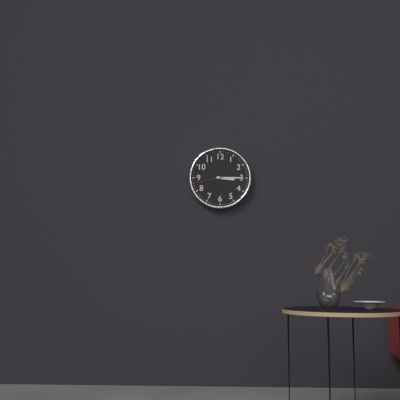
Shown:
3.15
